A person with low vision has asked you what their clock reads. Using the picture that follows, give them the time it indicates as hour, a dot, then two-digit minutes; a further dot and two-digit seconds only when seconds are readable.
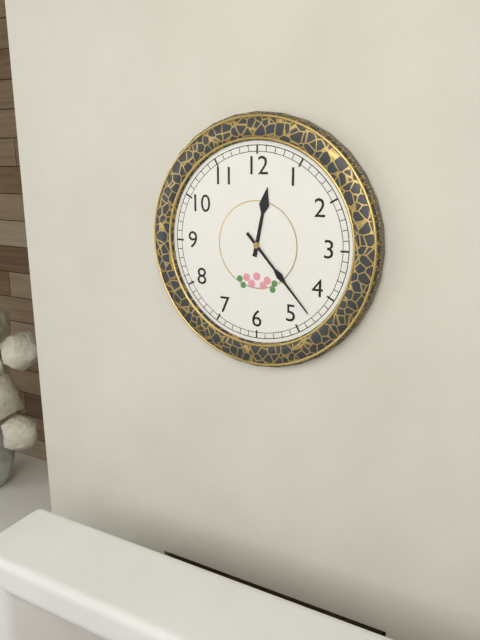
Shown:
12.23
